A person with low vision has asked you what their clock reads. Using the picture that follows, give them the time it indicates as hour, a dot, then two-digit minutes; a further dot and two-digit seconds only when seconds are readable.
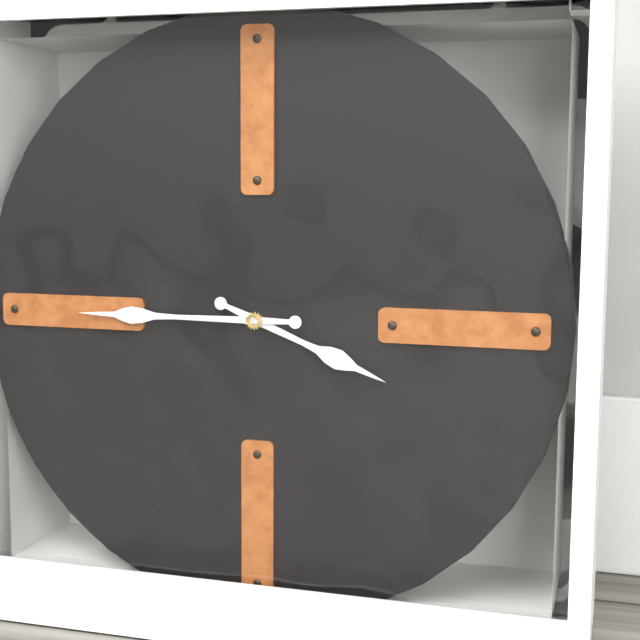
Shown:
3.45
